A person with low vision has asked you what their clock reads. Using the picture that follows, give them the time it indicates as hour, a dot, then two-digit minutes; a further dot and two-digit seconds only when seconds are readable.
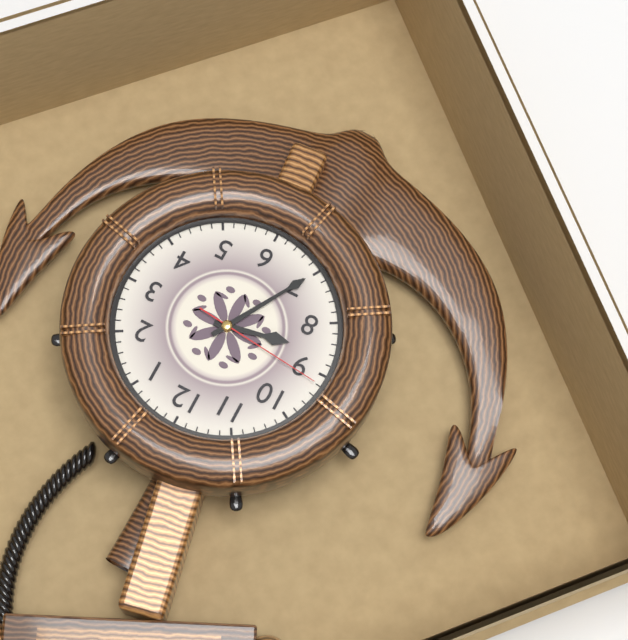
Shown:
8.35.46
